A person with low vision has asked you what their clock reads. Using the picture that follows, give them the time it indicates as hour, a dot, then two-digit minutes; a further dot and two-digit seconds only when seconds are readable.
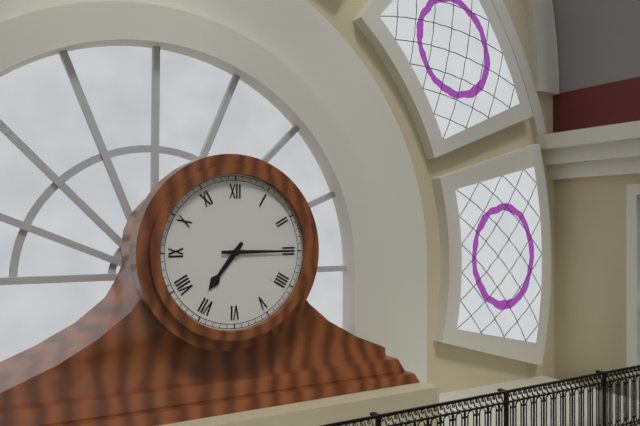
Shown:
7.15
